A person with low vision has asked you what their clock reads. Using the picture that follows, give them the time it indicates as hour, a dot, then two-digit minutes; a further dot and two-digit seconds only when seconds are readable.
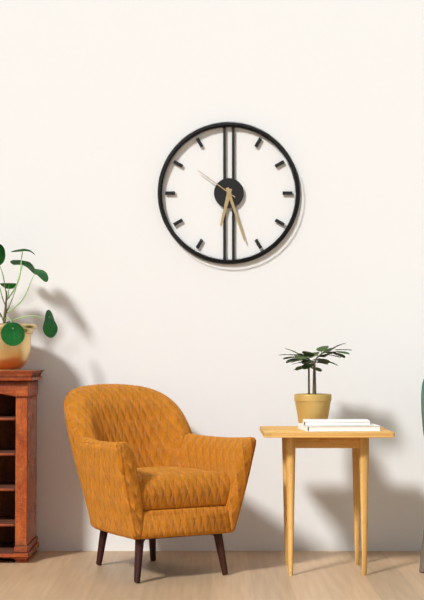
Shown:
6.27
